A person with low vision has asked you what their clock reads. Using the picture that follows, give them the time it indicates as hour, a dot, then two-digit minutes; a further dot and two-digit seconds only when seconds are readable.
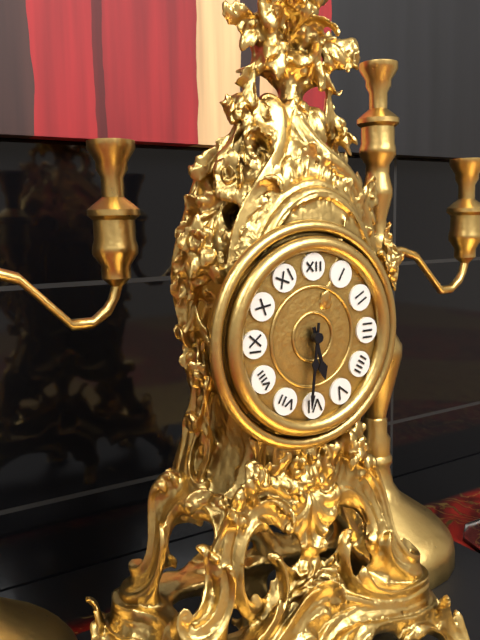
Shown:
5.31
